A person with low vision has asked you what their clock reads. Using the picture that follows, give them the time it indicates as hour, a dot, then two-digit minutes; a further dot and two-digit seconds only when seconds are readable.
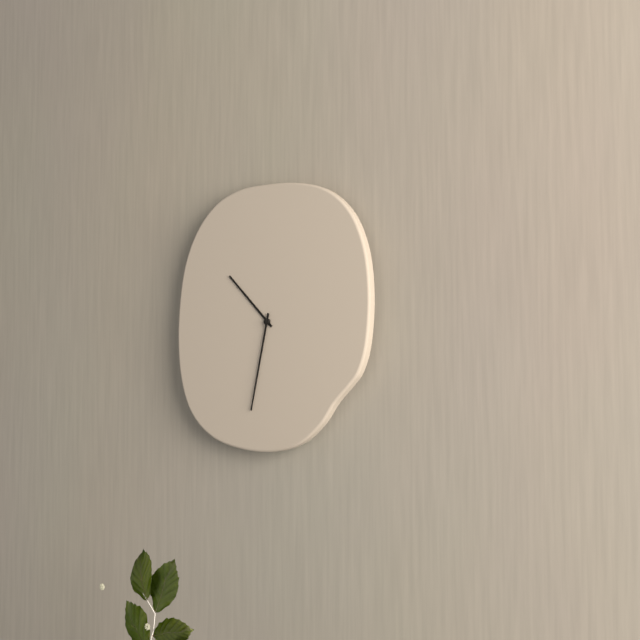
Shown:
10.32
